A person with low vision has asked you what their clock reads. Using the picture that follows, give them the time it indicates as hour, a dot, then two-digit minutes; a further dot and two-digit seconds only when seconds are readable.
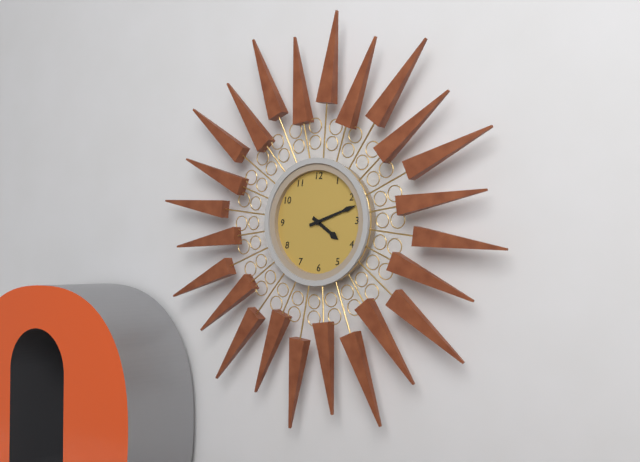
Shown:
4.12
